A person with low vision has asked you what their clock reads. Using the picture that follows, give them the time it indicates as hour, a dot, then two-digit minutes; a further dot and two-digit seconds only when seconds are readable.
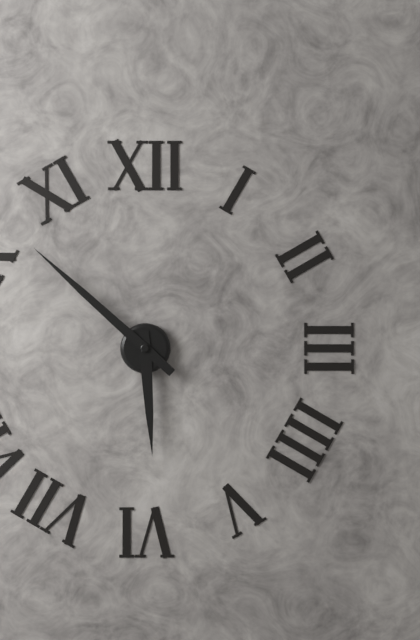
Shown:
5.52
